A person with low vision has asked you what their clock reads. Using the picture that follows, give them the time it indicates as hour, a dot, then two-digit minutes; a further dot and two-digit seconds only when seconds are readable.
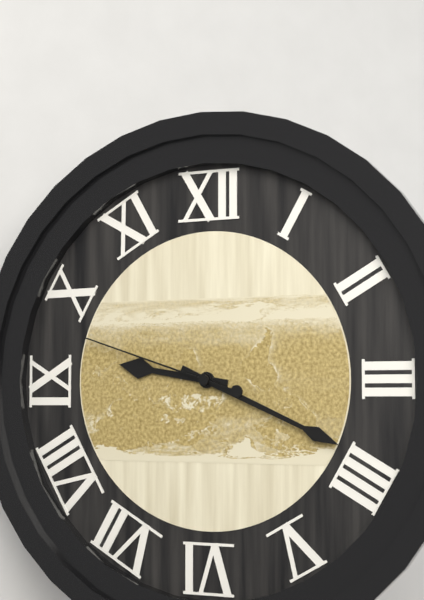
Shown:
9.19.48
